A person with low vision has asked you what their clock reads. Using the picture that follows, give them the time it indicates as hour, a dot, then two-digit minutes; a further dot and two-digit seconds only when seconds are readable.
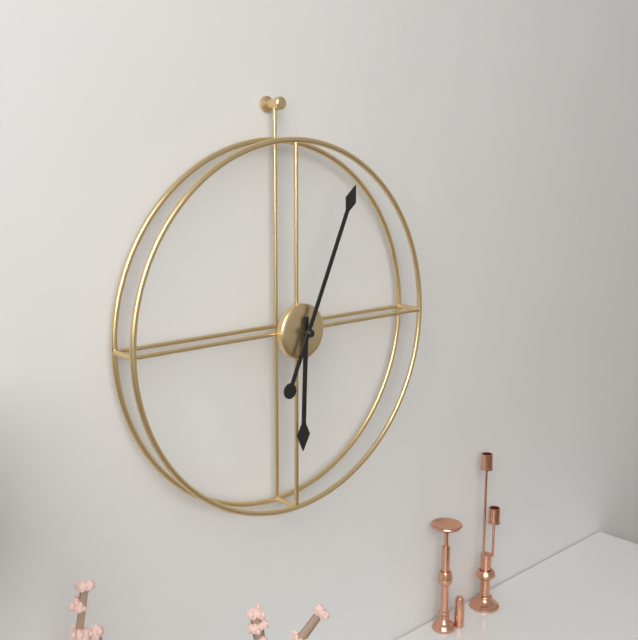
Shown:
6.04
